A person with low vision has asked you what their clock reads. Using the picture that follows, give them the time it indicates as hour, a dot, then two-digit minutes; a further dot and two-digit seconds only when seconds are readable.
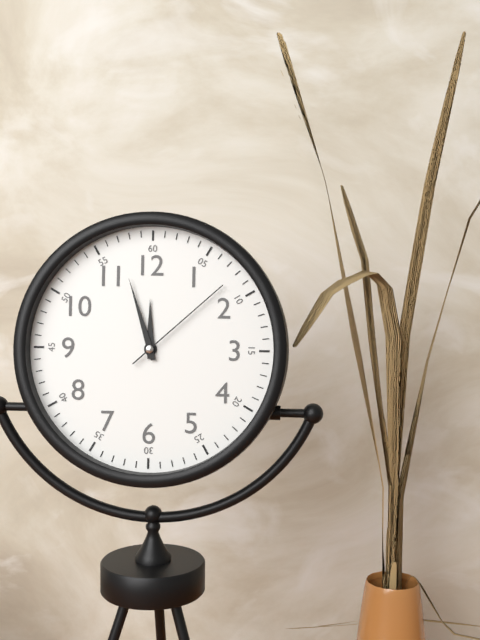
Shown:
11.57.08
